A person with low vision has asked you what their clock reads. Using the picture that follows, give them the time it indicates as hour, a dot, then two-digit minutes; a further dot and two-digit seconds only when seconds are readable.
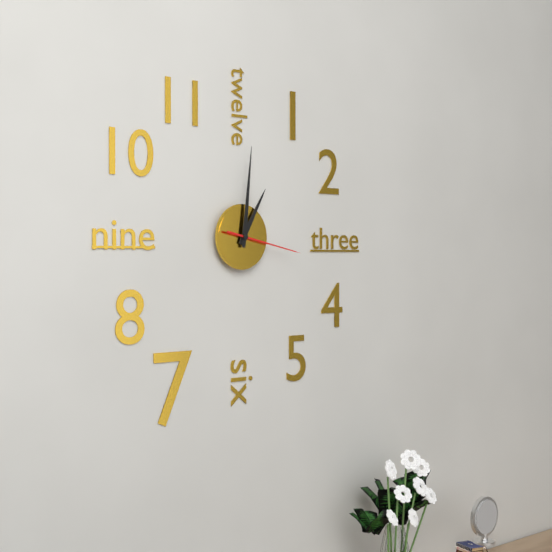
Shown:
1.01.17
